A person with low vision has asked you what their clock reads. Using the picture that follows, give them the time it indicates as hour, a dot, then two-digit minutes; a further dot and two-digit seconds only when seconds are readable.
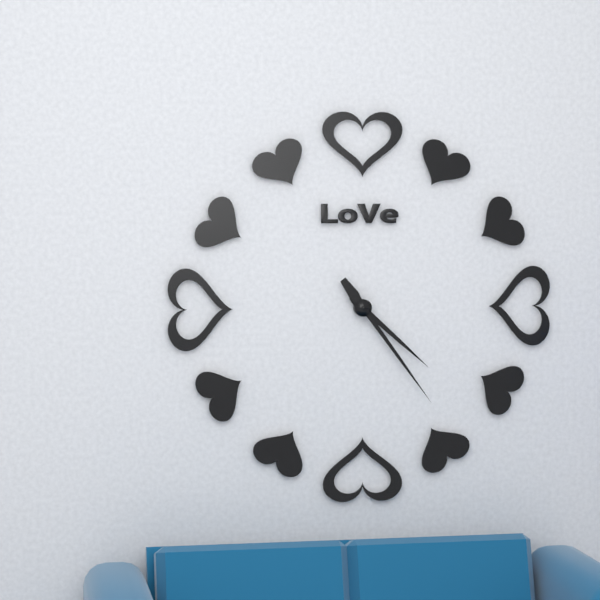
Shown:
4.24
